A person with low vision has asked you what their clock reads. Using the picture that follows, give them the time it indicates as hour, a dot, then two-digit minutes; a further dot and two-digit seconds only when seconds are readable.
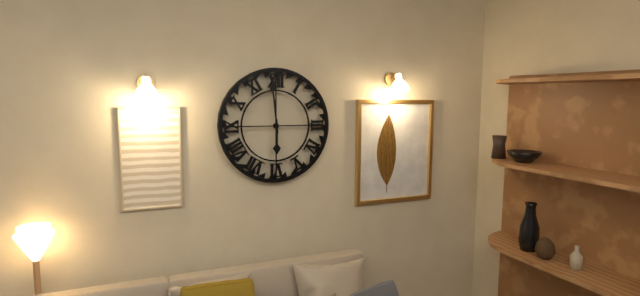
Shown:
5.59
